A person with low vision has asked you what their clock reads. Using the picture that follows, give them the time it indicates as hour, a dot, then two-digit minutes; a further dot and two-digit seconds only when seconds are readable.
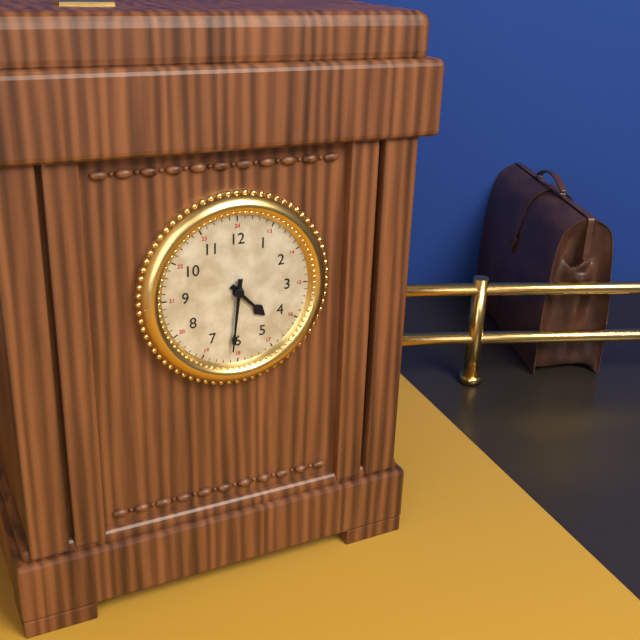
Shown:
4.31
